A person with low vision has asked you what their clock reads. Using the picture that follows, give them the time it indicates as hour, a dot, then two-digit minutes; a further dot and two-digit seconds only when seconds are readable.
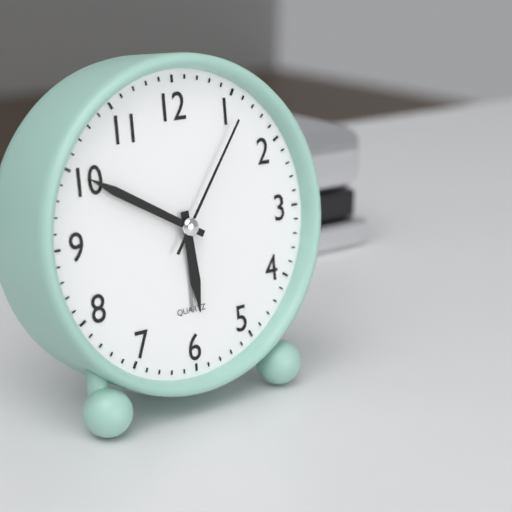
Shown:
5.50.06
